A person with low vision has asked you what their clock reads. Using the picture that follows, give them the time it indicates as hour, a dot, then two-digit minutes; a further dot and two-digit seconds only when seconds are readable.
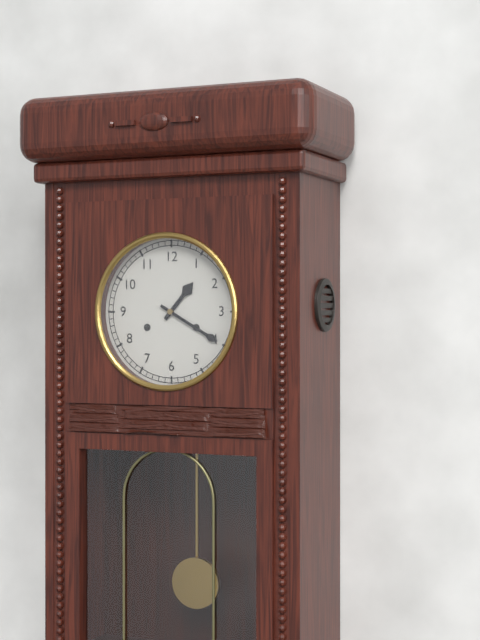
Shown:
1.20
